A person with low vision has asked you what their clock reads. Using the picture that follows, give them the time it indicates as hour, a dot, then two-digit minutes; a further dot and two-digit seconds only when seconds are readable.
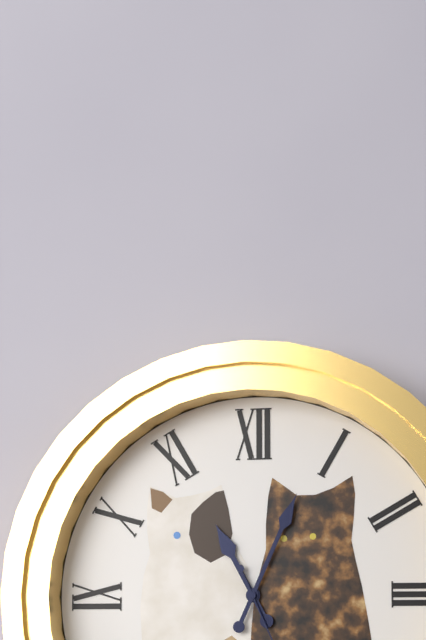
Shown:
11.04
